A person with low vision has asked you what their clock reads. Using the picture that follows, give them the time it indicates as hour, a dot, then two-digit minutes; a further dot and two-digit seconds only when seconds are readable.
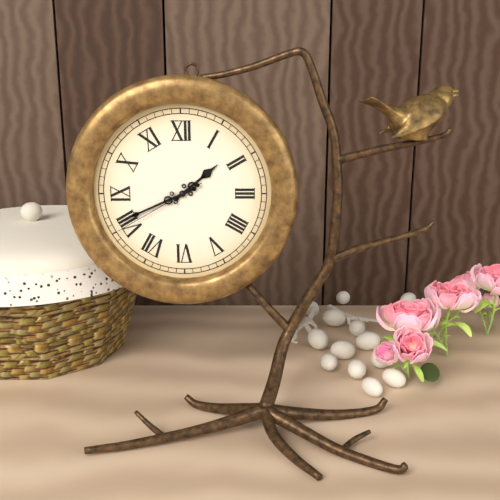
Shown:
1.41.40
